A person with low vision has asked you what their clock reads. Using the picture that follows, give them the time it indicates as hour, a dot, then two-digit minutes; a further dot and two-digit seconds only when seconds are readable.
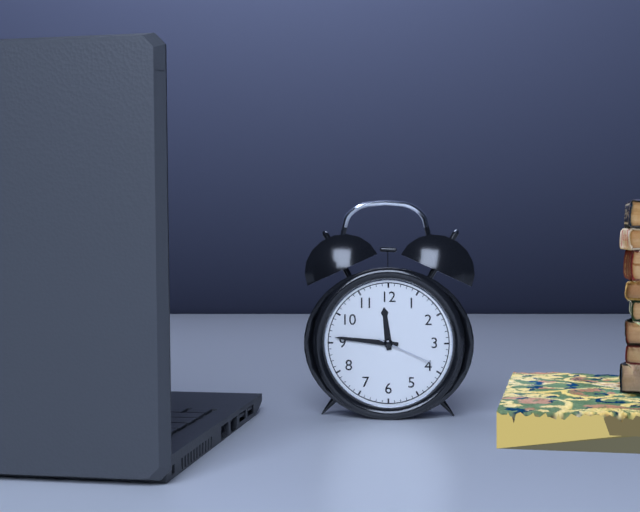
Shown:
11.46.19
